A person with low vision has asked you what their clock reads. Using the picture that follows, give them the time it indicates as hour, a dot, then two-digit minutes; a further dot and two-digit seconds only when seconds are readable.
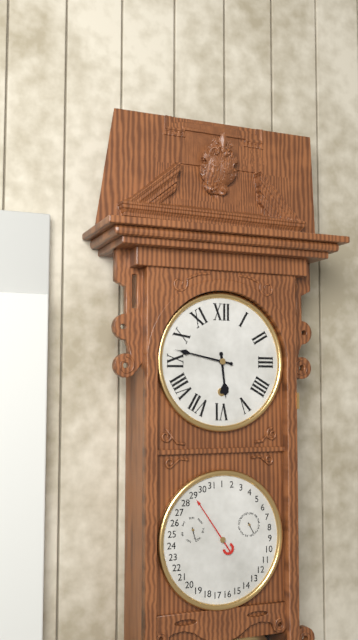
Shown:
5.47
